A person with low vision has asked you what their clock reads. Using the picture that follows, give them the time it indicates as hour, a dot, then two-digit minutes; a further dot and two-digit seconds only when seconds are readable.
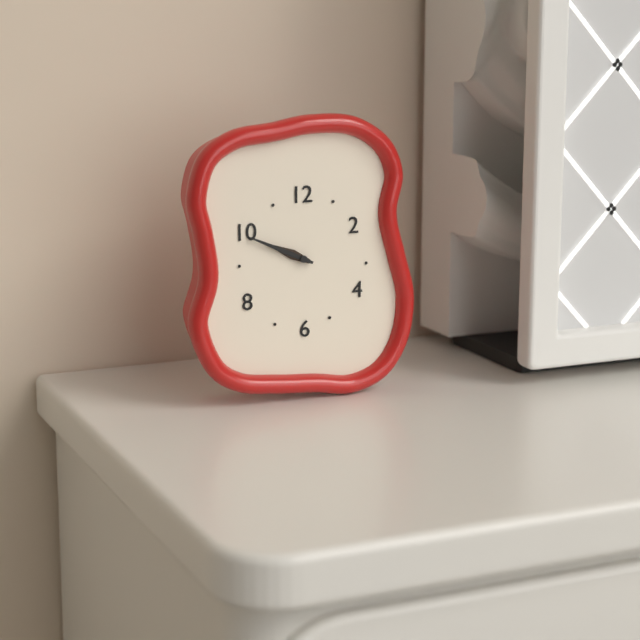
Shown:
9.49
